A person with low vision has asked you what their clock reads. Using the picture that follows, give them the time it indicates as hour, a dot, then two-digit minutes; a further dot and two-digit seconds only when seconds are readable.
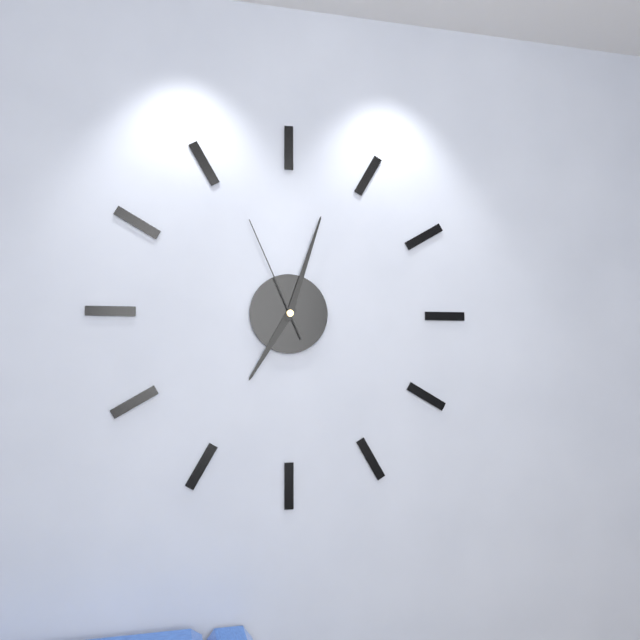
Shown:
7.03.56
